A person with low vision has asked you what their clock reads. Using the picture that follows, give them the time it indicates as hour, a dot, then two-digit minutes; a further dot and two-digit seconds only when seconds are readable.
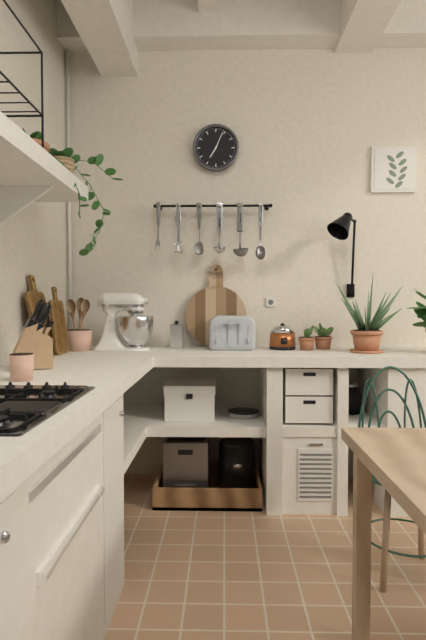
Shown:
7.04
